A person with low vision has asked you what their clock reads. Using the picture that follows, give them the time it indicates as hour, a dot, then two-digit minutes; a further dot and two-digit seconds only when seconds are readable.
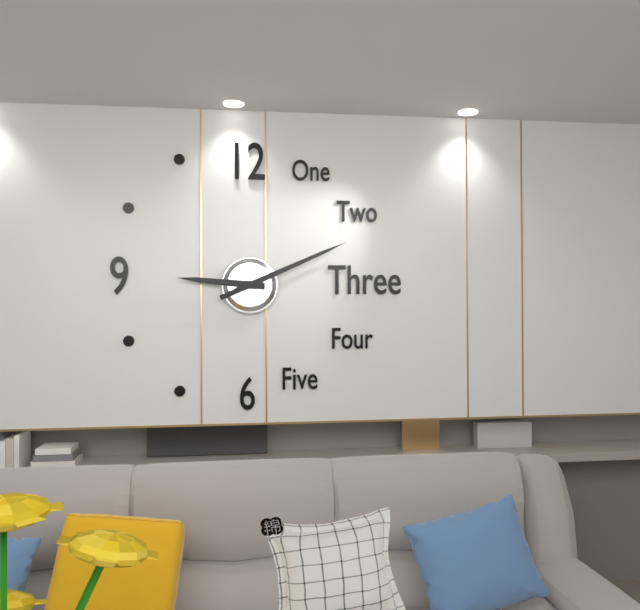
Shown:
9.11
